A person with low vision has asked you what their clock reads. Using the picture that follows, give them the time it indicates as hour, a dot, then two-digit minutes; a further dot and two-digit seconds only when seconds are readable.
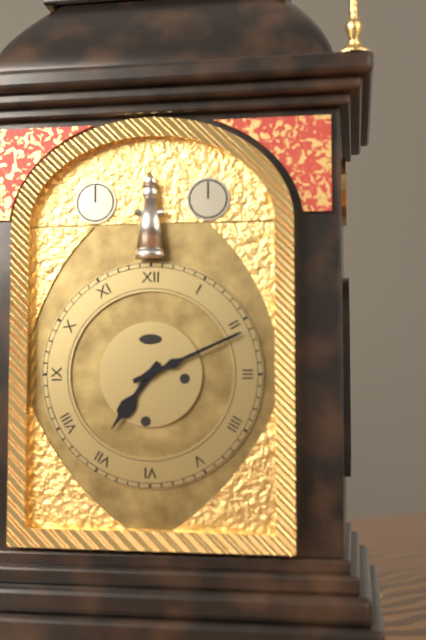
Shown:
7.11
